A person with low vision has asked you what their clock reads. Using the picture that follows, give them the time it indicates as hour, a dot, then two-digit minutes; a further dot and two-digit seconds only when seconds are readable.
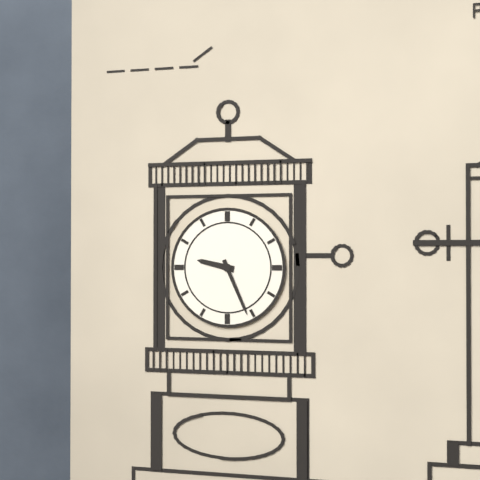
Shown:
9.26
